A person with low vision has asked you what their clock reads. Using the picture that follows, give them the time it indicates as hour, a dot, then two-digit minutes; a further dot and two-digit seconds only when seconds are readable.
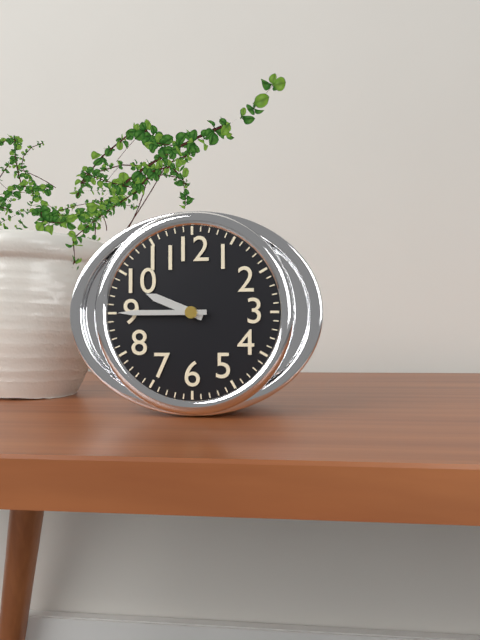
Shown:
9.45
